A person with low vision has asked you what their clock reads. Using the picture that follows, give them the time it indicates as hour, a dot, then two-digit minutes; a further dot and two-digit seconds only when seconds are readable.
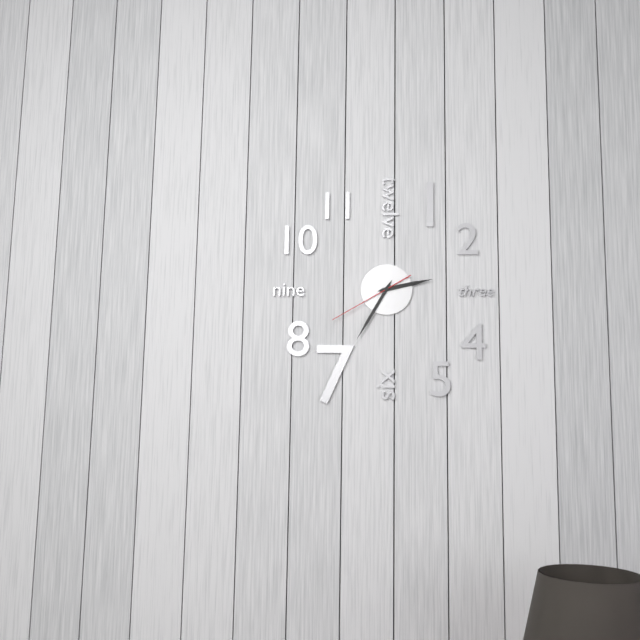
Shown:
2.35.40
